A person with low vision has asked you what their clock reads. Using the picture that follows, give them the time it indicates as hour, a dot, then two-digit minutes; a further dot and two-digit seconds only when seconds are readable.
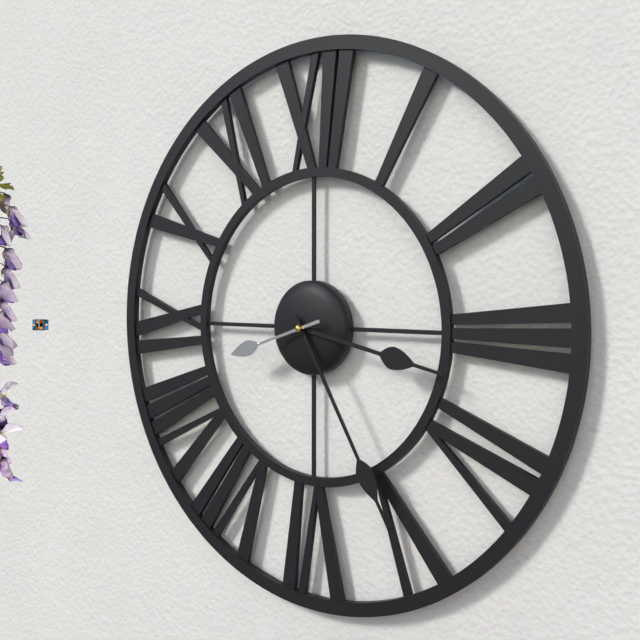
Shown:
3.25.42
